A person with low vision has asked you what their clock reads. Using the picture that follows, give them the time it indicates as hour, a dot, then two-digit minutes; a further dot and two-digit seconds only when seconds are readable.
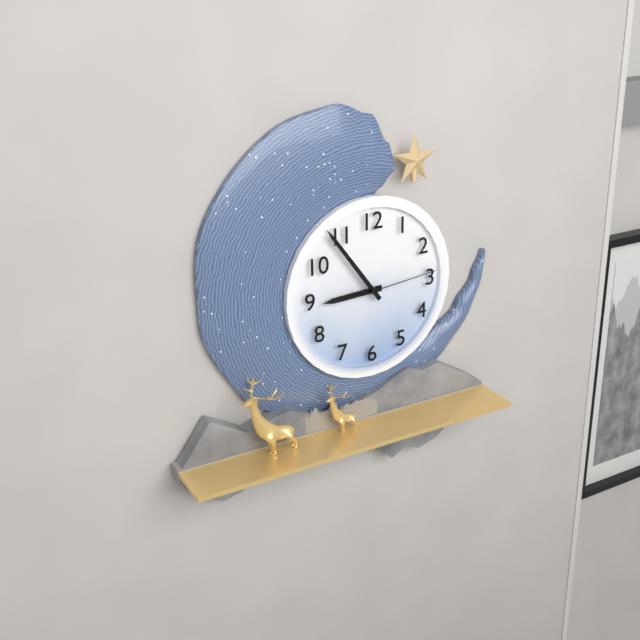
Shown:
8.54.14
